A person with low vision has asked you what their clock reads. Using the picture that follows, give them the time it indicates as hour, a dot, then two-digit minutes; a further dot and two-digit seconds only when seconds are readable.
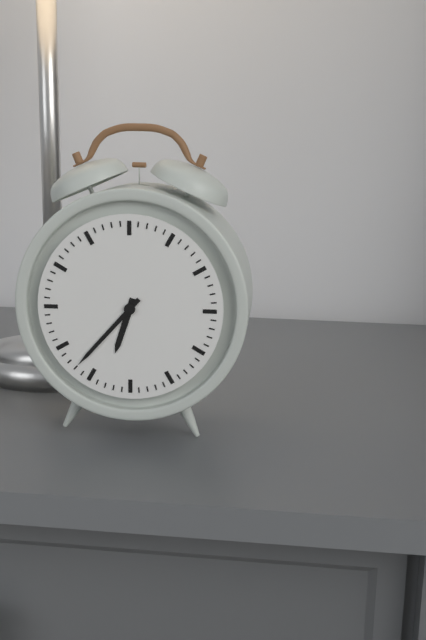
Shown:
6.37
